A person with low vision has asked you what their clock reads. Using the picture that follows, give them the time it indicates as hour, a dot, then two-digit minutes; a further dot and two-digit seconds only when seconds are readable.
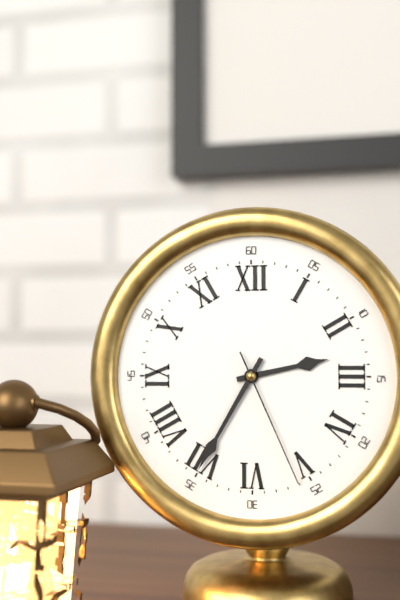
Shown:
2.35.26
